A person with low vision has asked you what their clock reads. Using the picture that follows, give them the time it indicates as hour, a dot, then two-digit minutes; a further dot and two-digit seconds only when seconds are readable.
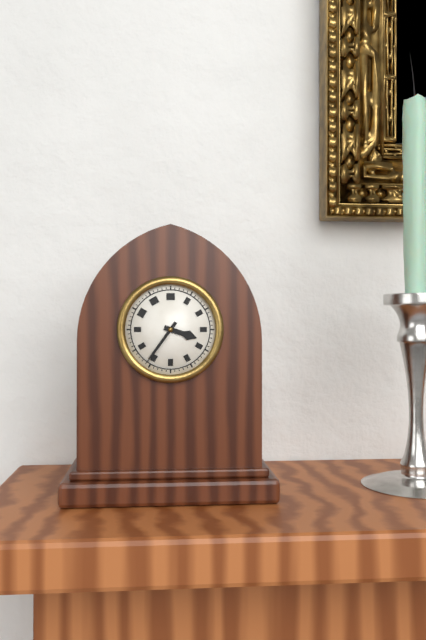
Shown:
3.36
